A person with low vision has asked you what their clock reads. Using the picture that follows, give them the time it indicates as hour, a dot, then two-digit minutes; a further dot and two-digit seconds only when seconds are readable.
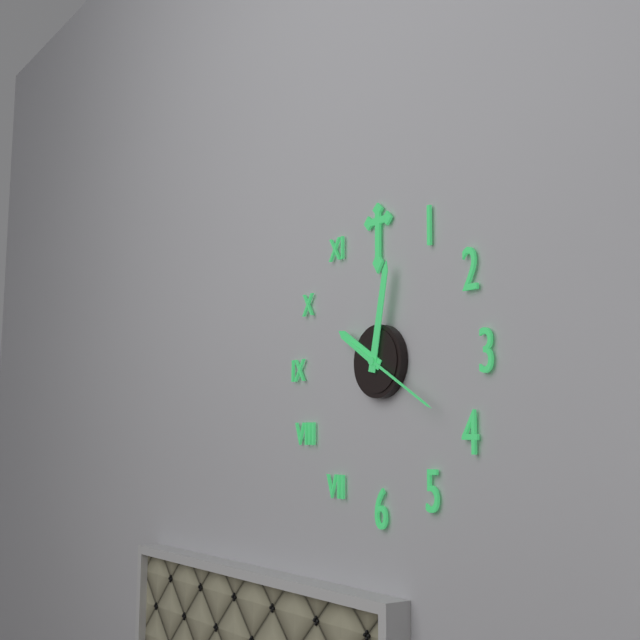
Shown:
10.02.20
